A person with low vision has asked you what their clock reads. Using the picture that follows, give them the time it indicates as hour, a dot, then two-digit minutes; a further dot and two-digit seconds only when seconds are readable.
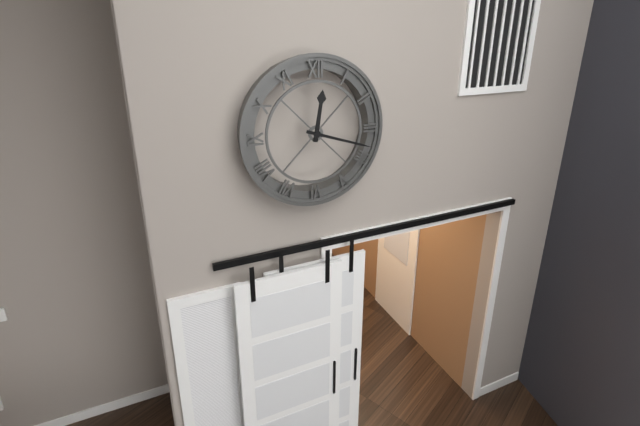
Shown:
12.18
